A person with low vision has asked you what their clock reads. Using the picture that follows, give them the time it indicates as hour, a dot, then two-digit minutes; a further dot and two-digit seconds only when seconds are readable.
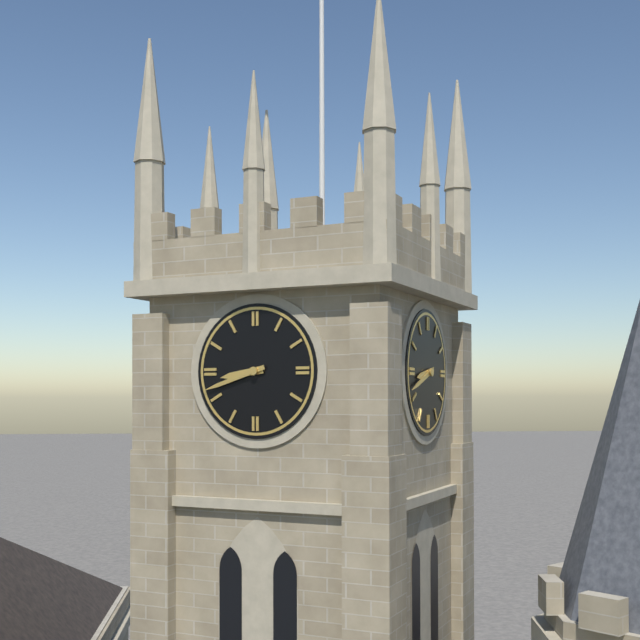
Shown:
8.42
